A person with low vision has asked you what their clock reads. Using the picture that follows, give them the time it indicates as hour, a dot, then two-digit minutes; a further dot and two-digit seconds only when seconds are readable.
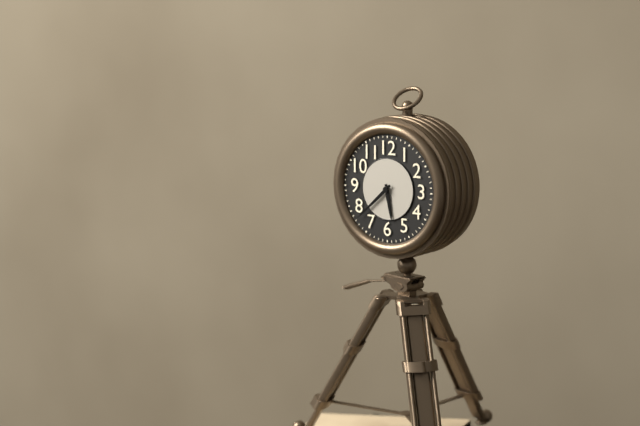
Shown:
5.38
